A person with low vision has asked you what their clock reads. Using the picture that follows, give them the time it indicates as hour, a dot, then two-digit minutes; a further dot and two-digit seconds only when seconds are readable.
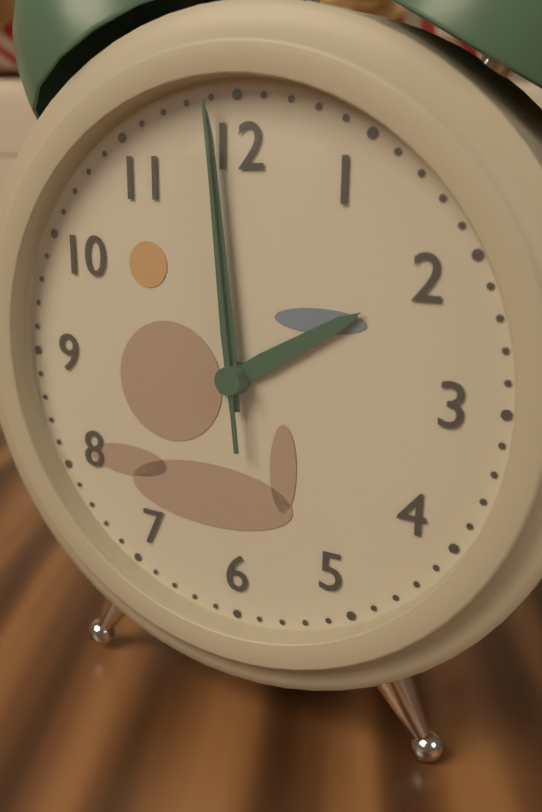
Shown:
1.59.59
